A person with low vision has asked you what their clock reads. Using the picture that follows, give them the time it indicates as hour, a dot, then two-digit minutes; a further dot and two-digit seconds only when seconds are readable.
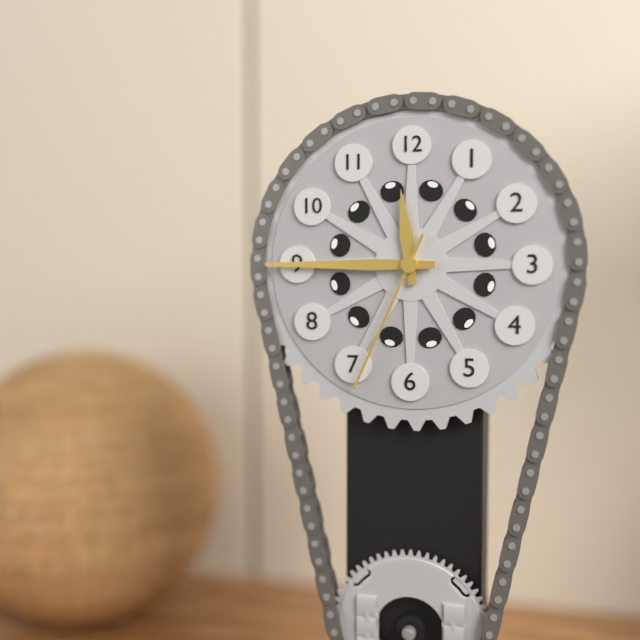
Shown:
11.45.34
